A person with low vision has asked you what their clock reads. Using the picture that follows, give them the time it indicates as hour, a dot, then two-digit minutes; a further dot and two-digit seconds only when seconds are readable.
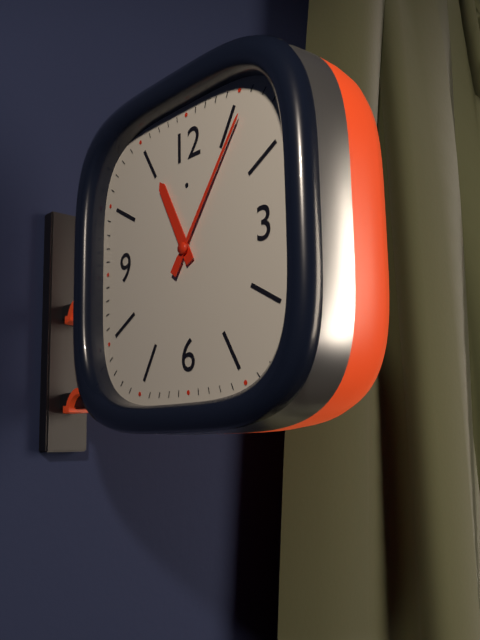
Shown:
11.06
